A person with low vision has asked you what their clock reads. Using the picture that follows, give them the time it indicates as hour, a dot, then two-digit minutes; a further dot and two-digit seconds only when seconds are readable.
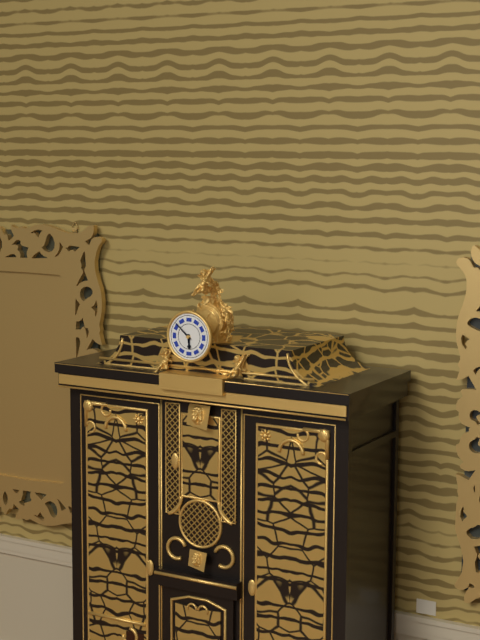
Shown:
5.52
